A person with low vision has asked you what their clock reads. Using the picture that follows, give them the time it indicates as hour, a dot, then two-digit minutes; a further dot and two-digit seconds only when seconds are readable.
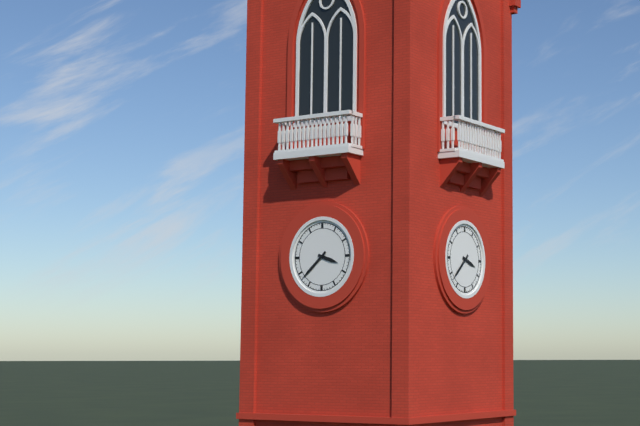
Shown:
3.38
